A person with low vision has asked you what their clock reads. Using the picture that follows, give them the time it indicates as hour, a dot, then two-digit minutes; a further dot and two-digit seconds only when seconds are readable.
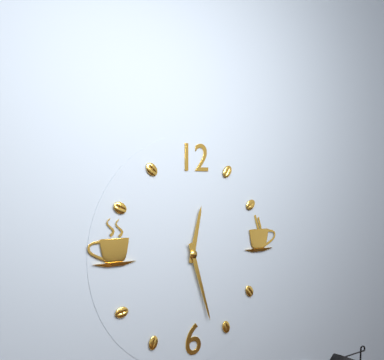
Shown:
12.27
